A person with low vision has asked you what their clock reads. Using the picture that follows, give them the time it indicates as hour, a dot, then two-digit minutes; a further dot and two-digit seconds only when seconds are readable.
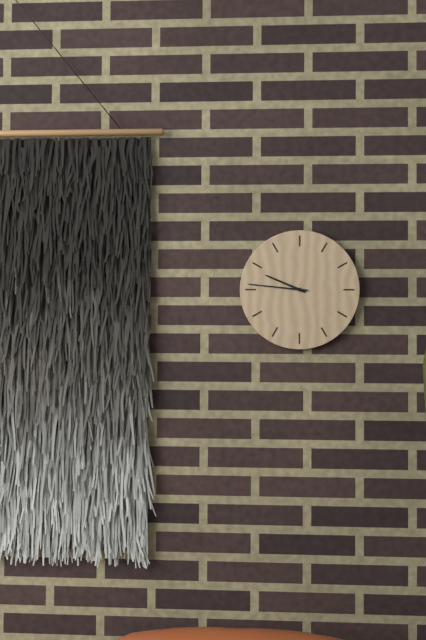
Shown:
9.46
